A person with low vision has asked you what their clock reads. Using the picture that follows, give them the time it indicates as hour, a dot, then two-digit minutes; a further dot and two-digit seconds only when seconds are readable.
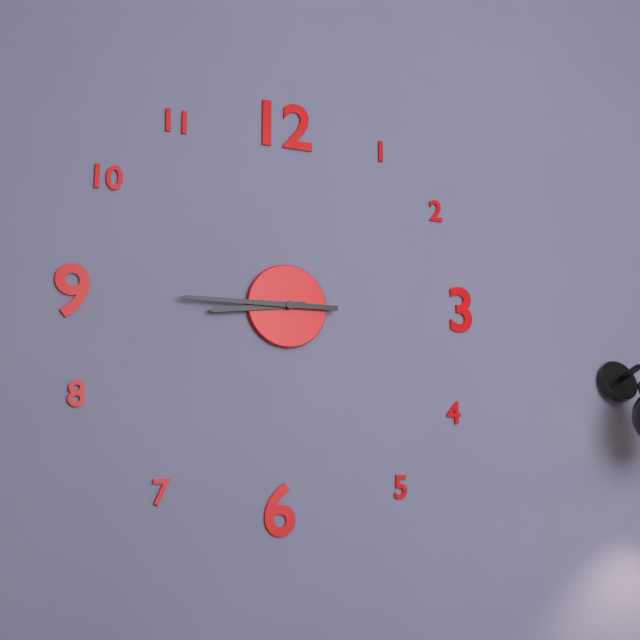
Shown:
8.45
